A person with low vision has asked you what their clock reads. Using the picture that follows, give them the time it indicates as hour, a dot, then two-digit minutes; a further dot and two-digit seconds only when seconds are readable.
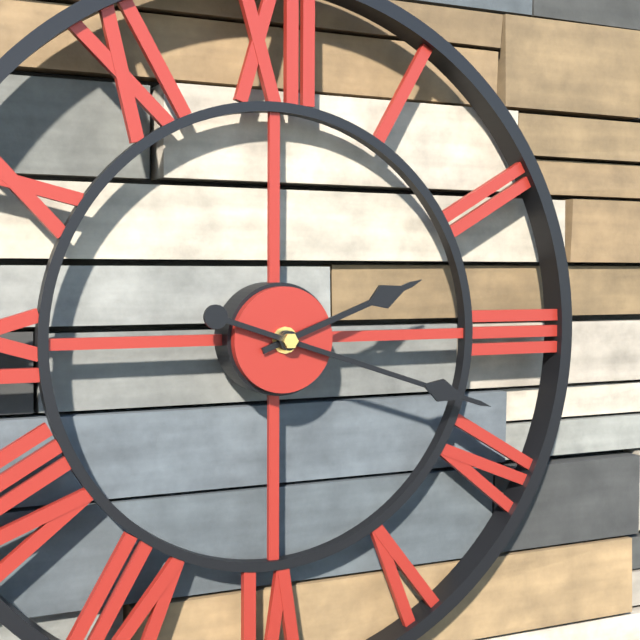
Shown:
2.18
